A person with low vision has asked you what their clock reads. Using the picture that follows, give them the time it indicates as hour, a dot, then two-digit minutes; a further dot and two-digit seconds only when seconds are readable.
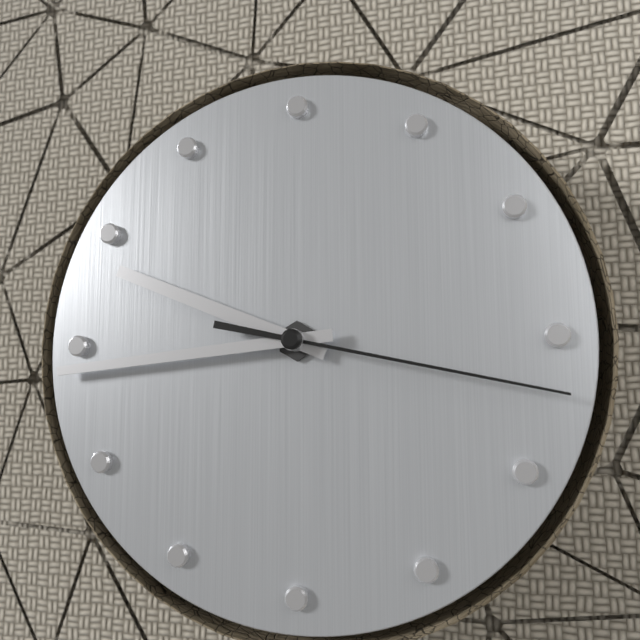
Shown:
9.44.17
